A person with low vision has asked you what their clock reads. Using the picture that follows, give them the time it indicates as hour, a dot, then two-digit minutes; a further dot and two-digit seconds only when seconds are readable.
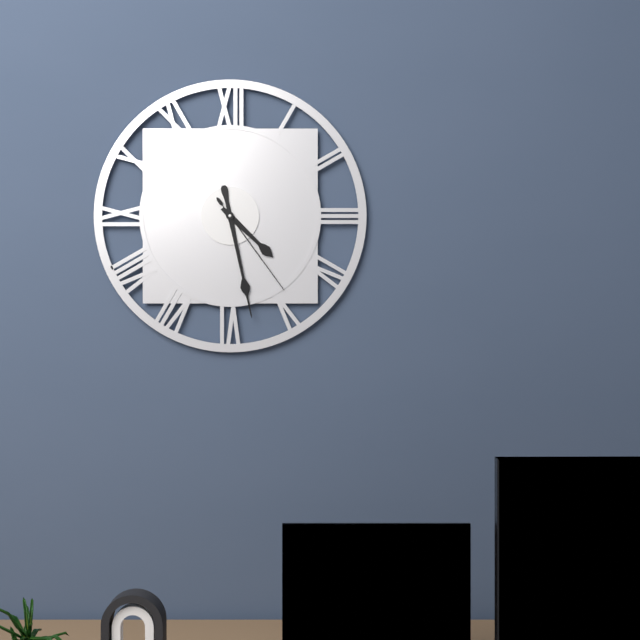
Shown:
4.28.24
